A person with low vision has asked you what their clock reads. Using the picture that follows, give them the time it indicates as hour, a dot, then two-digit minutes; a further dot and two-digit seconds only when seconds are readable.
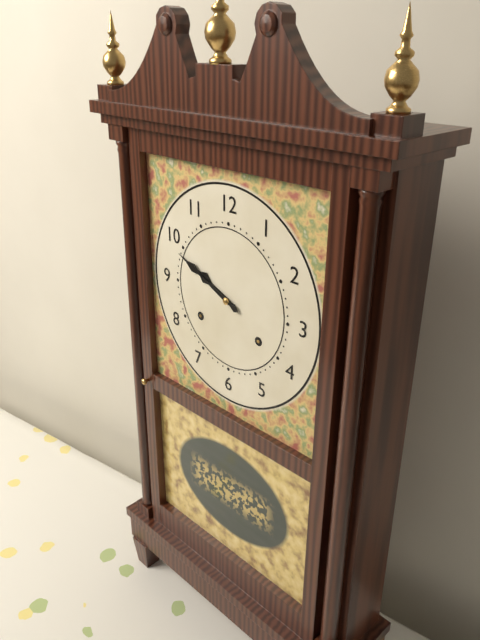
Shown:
9.49
